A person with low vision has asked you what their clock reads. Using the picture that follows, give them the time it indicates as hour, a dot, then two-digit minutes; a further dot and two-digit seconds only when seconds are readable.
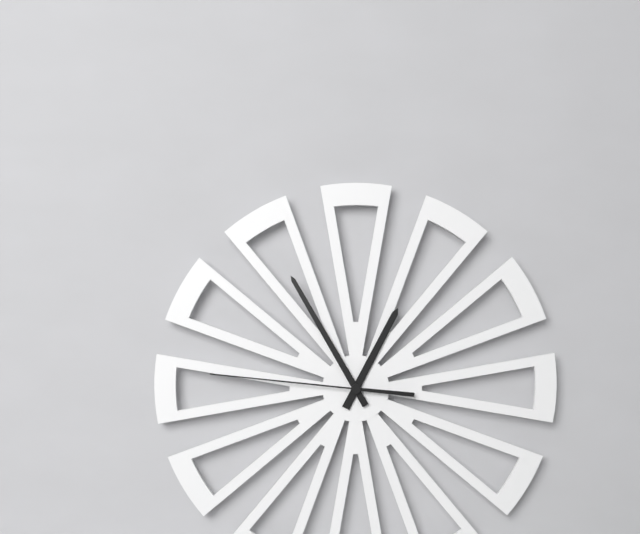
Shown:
12.55.46
